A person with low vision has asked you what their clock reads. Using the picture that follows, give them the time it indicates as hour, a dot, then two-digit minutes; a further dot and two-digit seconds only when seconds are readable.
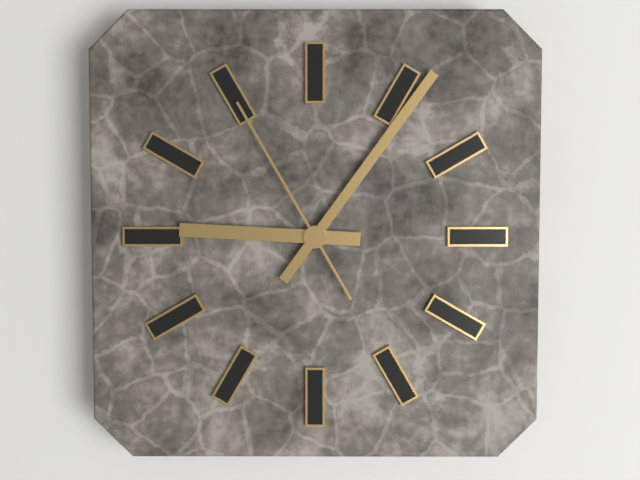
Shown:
9.06.55
